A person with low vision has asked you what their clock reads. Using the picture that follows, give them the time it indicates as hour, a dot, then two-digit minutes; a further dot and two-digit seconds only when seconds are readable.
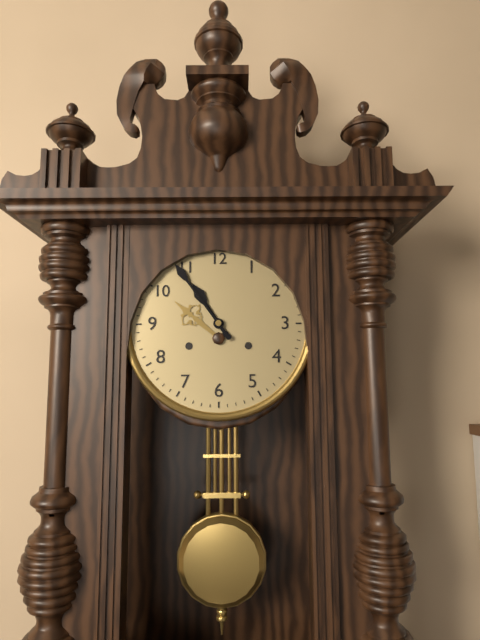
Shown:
10.54
